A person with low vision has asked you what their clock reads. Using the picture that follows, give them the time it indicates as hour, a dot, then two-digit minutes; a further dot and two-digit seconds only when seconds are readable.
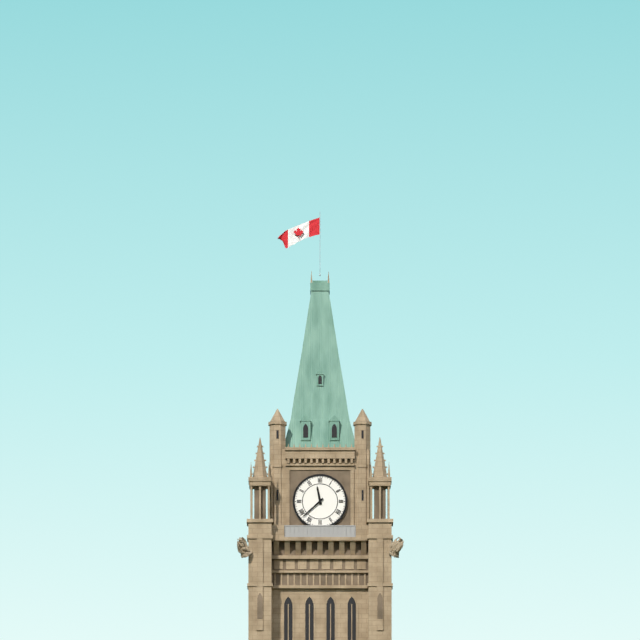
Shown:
11.38
